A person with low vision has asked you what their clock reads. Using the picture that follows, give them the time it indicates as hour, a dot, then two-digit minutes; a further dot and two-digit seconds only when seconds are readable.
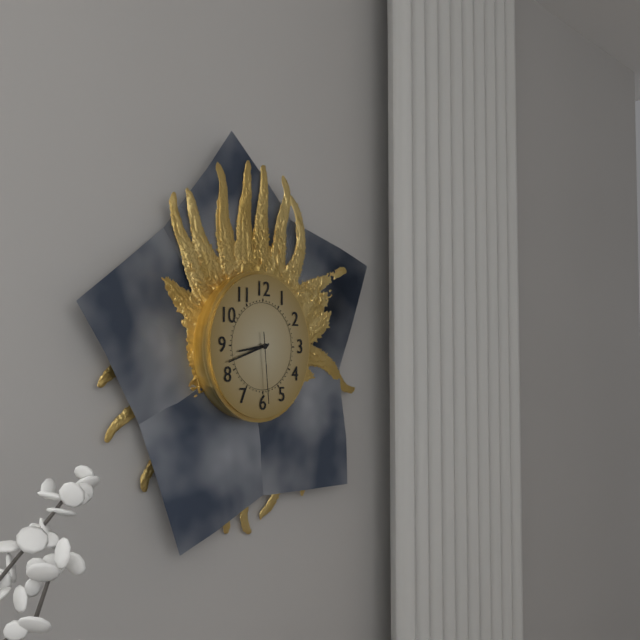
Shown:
8.42.29
